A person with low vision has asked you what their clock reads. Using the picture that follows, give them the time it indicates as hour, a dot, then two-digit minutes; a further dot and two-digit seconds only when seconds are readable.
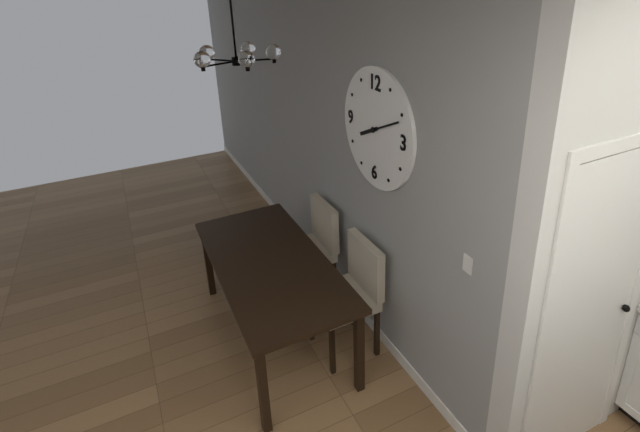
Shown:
8.11
